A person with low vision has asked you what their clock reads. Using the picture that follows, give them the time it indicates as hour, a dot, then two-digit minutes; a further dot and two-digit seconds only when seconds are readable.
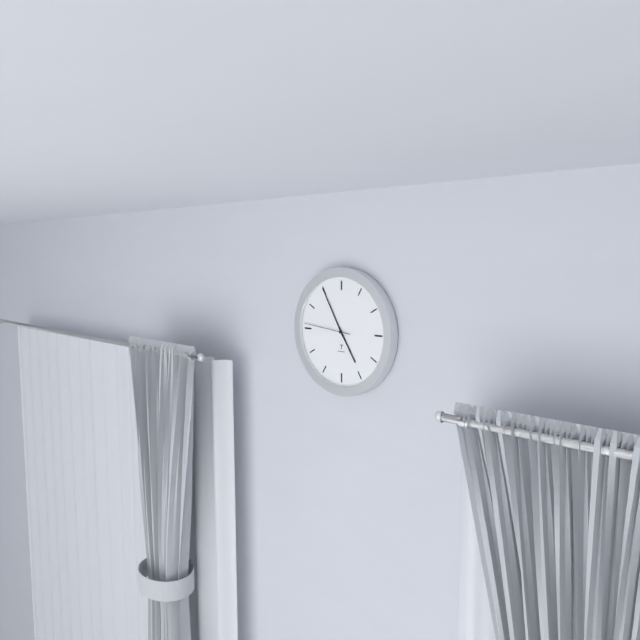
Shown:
4.55
